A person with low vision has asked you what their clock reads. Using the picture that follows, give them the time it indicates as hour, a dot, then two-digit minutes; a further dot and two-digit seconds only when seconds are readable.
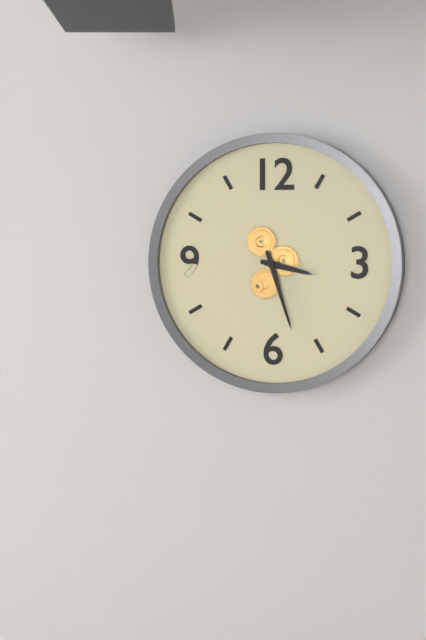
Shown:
3.27
